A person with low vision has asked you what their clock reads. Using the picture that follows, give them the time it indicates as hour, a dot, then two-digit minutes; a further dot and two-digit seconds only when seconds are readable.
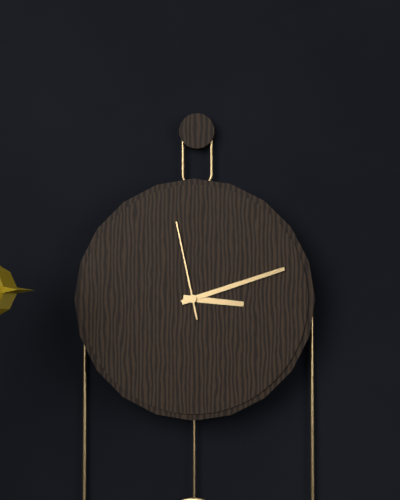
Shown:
3.12.58
